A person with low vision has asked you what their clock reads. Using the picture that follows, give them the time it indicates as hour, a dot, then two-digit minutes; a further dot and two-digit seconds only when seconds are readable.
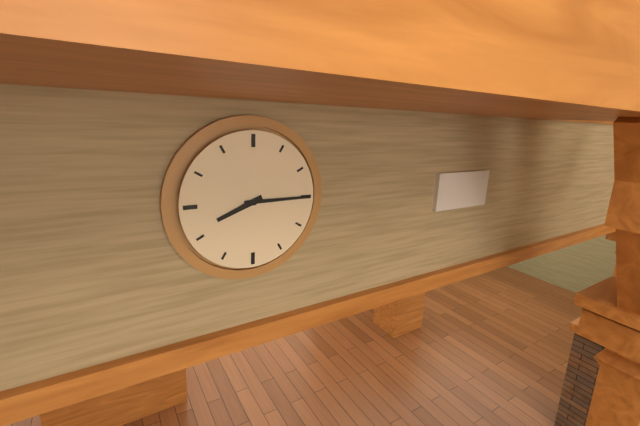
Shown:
8.15
